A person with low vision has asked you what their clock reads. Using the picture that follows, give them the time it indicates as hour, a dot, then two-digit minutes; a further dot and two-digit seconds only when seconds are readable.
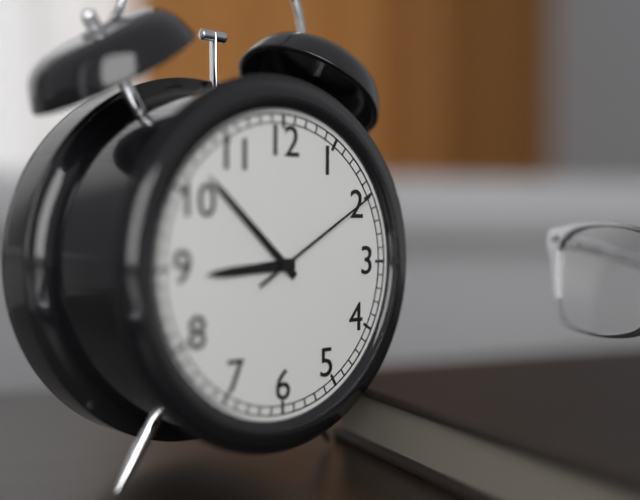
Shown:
8.52.10
